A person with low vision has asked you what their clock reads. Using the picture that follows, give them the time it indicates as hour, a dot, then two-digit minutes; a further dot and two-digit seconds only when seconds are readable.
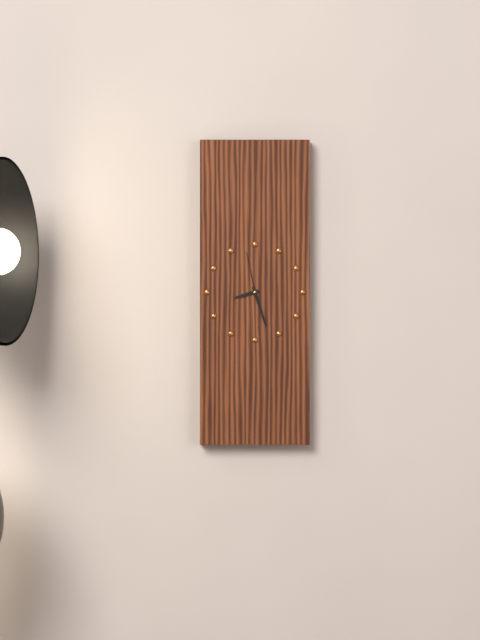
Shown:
8.27.58
